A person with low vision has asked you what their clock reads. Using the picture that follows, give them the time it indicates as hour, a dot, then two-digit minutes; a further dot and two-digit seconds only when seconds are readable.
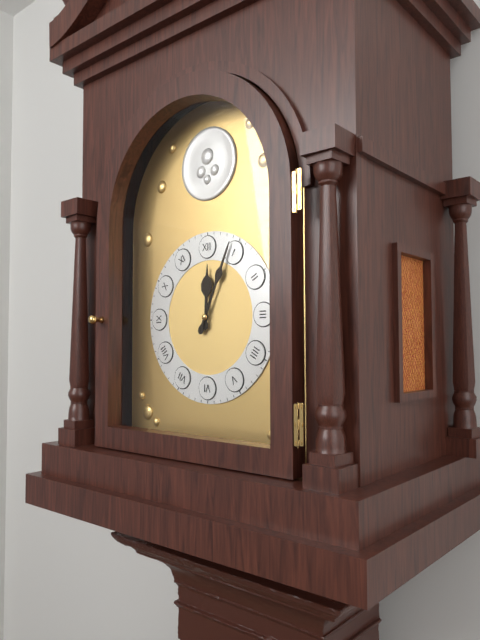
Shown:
12.04
